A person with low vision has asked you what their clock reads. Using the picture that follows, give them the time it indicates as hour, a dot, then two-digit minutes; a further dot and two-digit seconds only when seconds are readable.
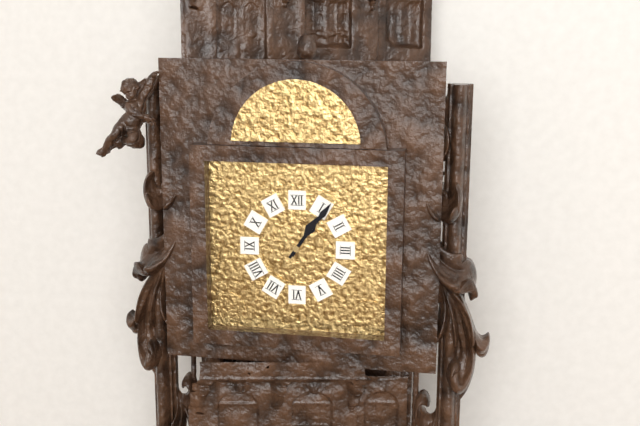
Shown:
1.06
